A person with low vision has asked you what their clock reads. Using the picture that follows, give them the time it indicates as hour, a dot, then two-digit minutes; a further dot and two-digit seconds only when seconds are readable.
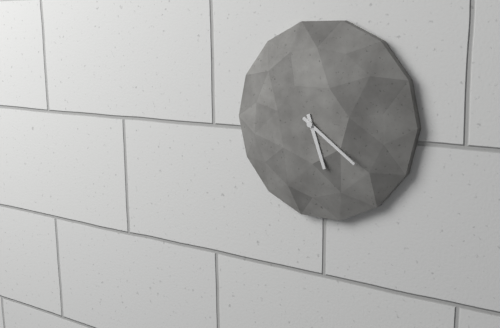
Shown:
5.21
